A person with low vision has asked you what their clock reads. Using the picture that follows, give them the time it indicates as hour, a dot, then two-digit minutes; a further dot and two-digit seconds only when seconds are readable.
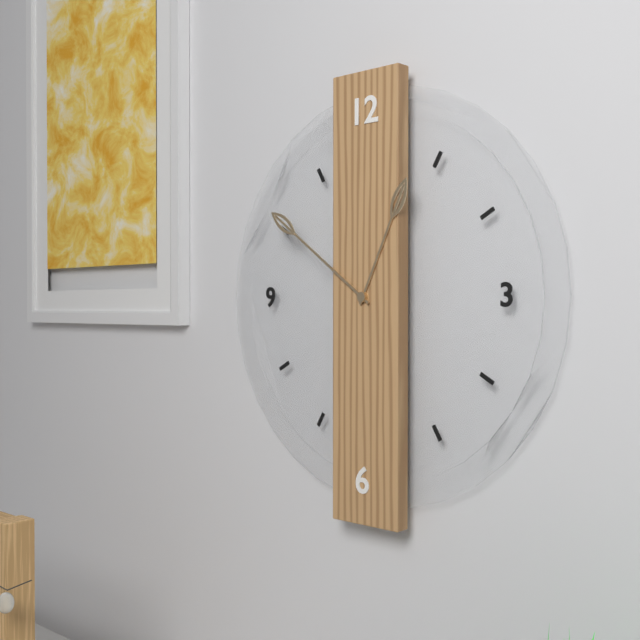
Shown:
12.51
